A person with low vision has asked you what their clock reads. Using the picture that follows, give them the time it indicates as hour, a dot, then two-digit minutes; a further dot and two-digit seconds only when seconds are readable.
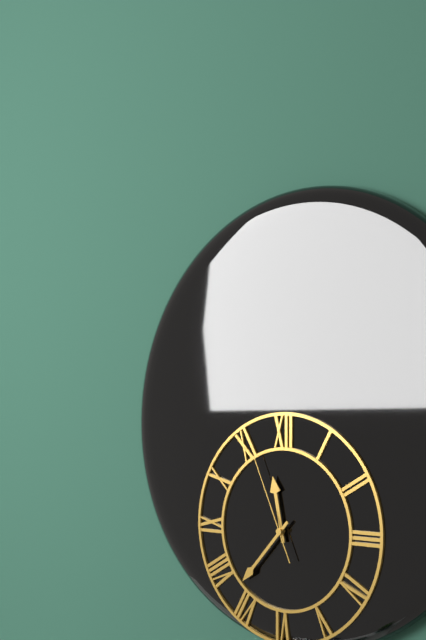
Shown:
11.37.56
